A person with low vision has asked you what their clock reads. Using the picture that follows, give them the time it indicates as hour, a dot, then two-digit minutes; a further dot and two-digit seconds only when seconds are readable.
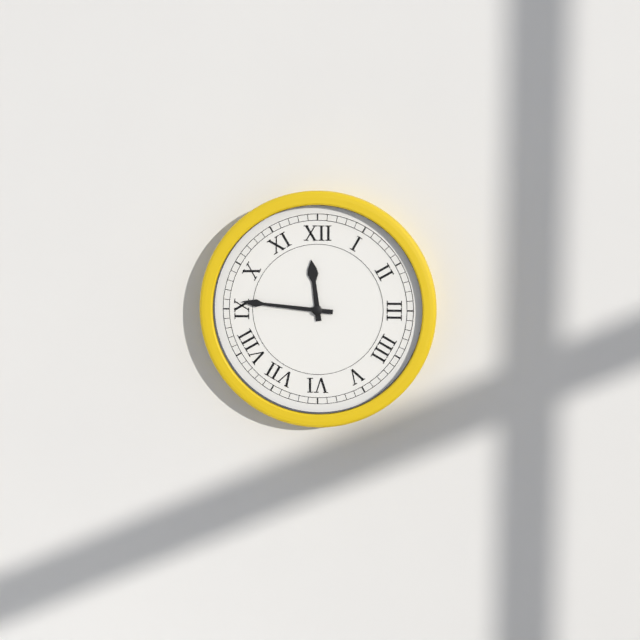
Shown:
11.46
